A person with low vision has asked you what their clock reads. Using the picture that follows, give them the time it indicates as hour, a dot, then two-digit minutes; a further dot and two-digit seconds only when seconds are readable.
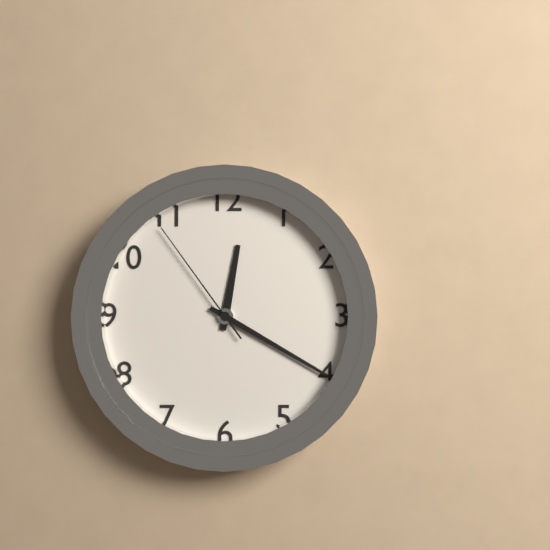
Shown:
12.20.54
